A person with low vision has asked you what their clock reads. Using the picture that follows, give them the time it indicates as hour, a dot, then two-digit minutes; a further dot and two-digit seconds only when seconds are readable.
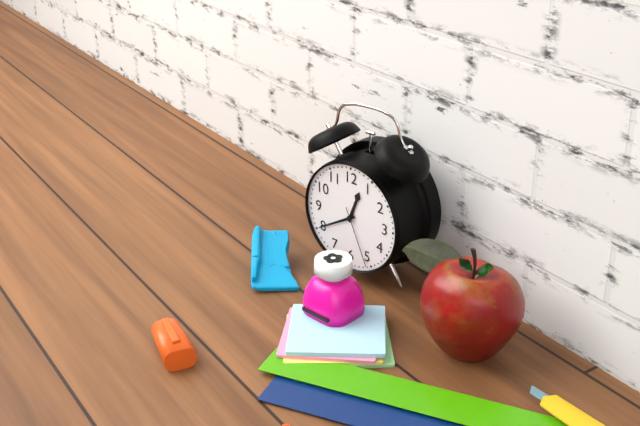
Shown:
12.40.26
